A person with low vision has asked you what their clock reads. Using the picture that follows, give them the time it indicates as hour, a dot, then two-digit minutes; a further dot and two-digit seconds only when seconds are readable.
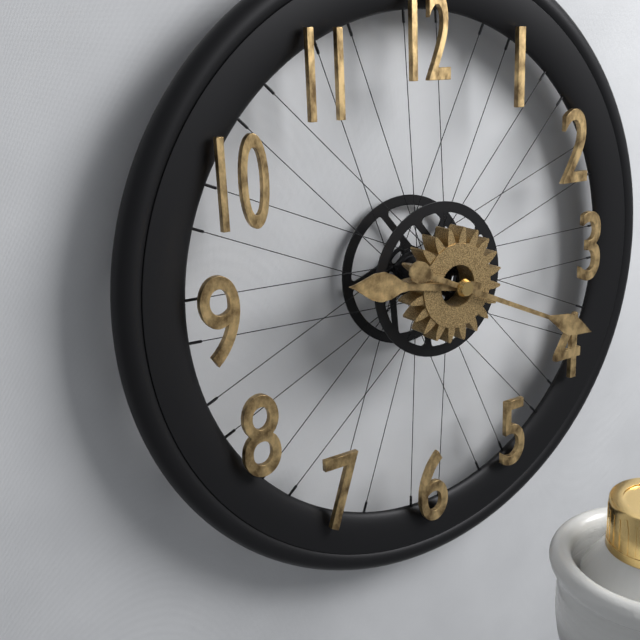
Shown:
9.19
